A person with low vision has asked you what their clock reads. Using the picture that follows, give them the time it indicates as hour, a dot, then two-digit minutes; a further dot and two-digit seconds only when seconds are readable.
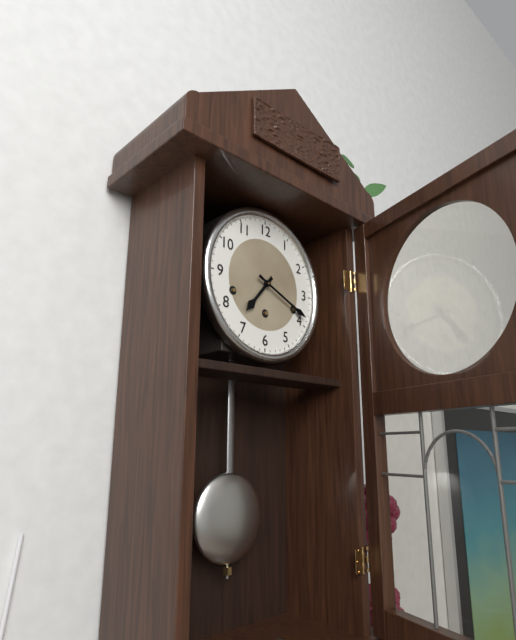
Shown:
7.19
